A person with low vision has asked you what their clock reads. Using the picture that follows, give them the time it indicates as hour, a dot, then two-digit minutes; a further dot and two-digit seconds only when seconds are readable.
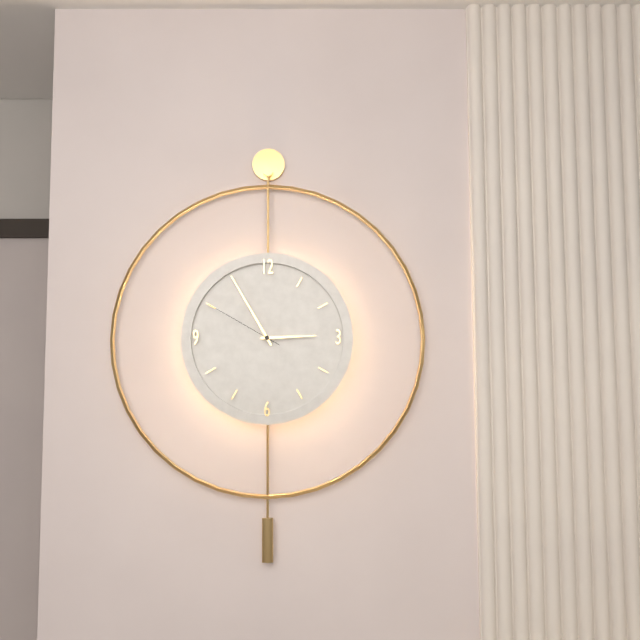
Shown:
2.55.50
